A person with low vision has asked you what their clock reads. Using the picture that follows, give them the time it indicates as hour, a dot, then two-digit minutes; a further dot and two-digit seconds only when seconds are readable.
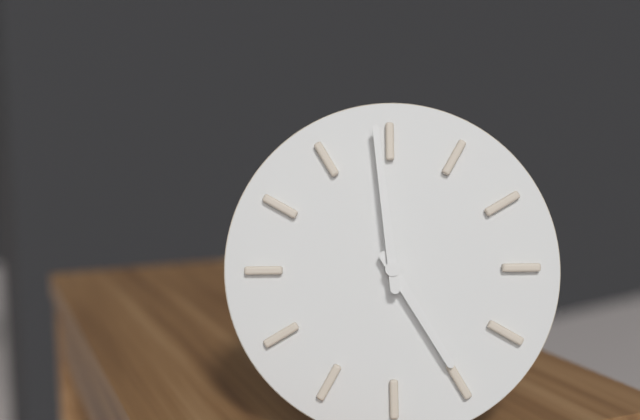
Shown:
4.59
